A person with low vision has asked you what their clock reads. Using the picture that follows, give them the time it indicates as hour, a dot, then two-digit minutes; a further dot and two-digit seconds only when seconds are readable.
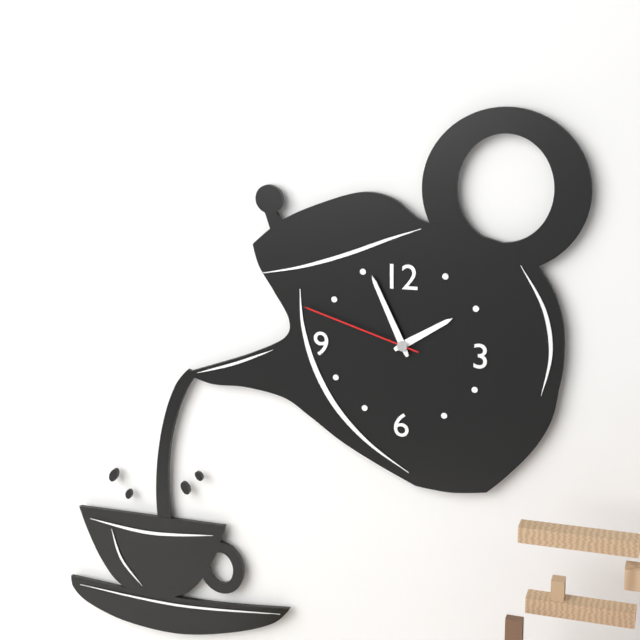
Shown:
1.56.48
